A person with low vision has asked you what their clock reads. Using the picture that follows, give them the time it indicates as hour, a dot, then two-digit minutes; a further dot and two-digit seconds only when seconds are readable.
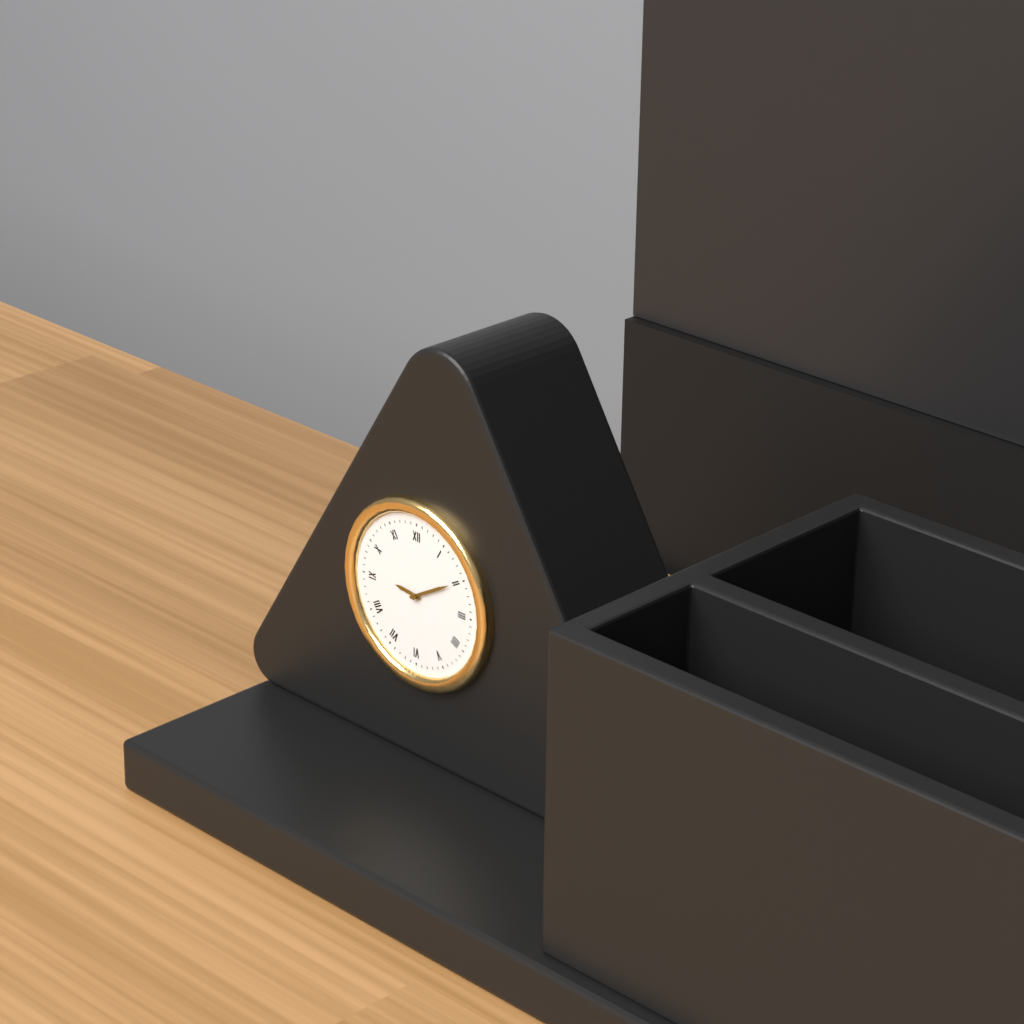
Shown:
9.10
